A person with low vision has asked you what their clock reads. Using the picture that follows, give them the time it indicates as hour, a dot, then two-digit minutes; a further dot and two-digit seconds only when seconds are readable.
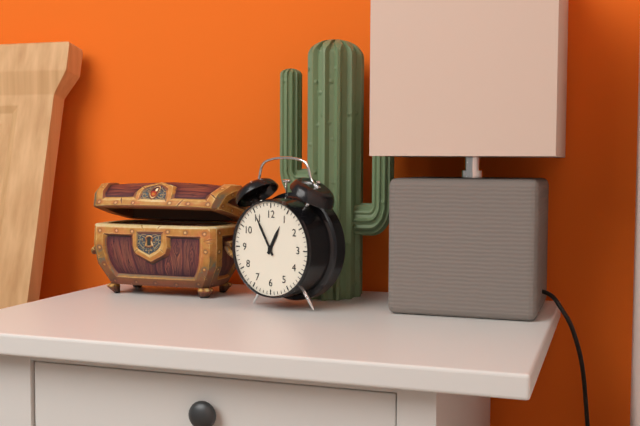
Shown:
12.55
